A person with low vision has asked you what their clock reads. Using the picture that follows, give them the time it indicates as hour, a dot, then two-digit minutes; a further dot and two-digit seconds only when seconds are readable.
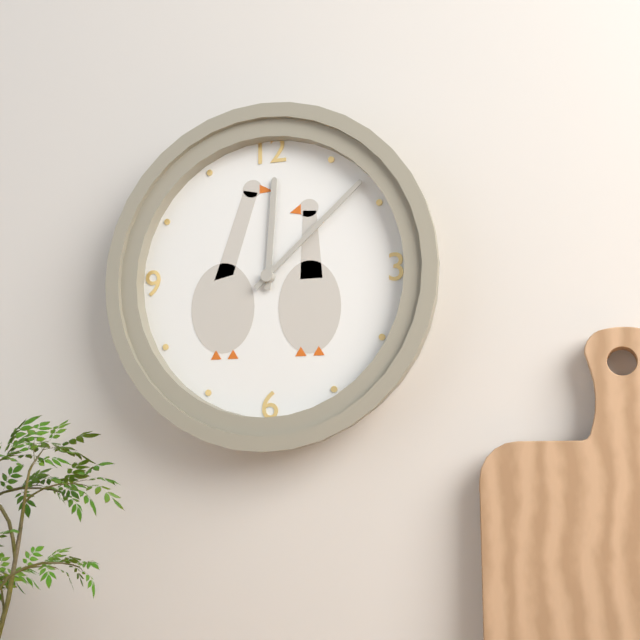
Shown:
12.08
